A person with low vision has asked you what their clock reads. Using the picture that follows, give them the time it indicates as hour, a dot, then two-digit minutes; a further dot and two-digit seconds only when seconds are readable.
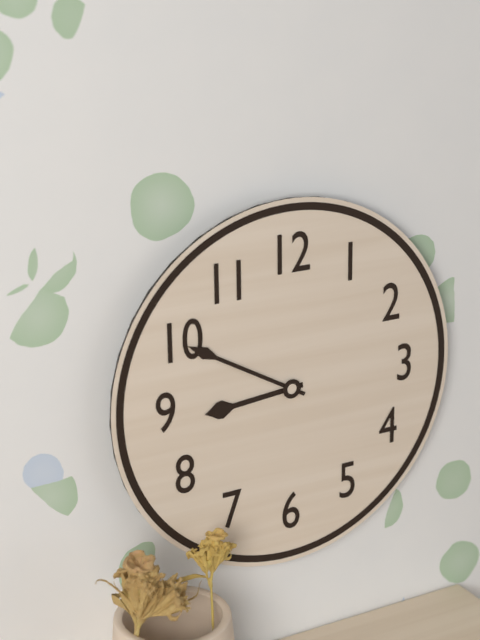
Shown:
8.50
